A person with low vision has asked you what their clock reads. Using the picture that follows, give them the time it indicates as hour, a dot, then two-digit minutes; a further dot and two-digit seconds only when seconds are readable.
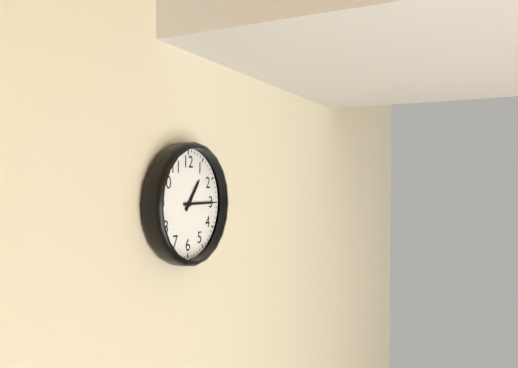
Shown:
1.15
